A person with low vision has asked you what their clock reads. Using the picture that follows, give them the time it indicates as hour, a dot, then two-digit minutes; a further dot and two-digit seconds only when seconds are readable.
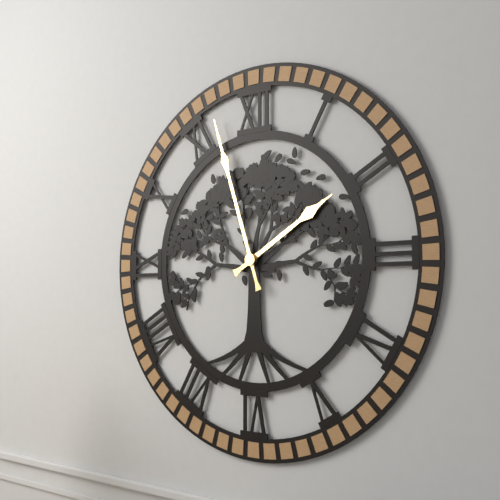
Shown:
1.57
